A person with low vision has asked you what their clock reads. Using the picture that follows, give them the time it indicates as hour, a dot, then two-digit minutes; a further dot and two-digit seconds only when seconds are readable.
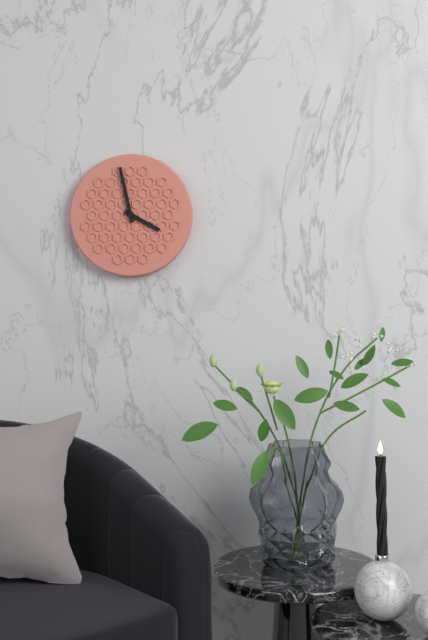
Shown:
3.58
